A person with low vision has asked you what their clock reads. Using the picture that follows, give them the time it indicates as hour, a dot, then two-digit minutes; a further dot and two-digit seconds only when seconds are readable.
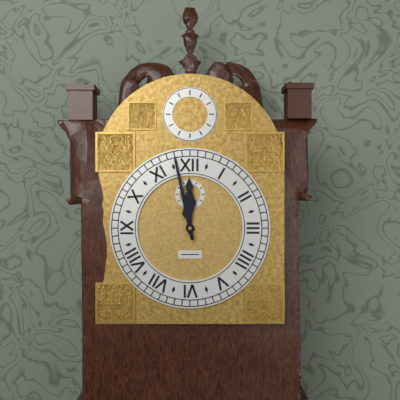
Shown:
11.58
